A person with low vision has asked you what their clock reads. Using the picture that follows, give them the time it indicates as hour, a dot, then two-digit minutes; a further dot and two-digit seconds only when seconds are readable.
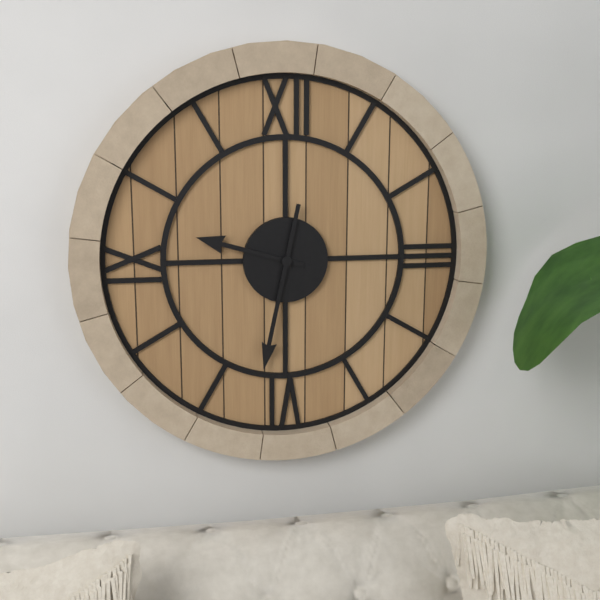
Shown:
9.32
